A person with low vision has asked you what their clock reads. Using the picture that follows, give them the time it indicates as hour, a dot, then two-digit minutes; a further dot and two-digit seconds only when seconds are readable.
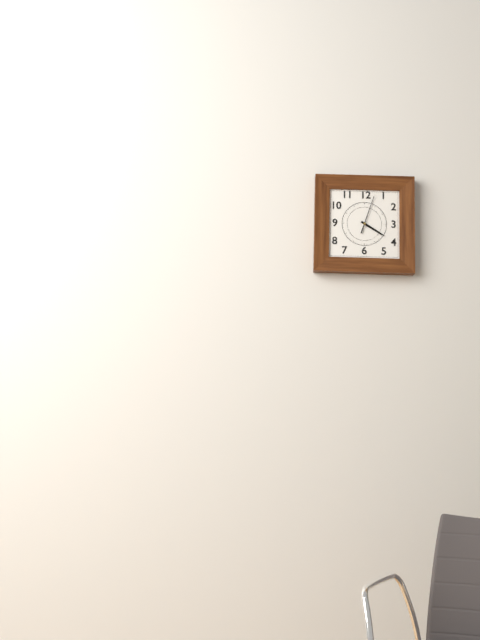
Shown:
4.03
